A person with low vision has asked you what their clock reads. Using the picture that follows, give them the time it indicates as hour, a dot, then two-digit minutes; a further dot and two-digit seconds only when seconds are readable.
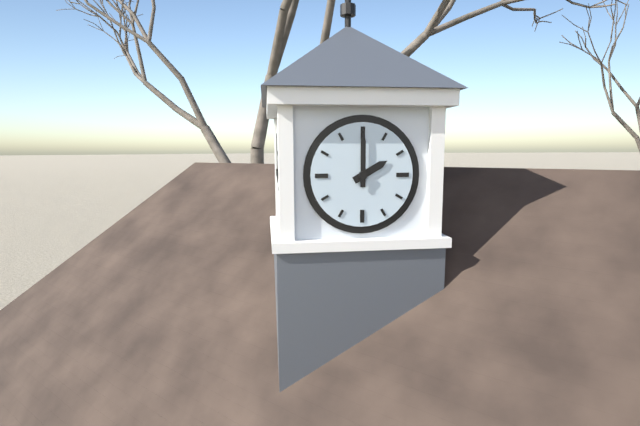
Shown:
2.00
